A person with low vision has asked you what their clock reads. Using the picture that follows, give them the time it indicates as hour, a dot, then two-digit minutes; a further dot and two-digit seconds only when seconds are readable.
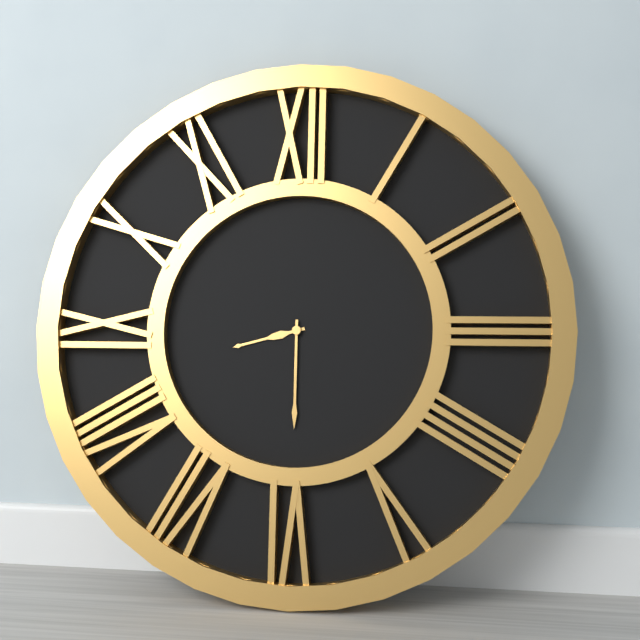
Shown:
8.30
